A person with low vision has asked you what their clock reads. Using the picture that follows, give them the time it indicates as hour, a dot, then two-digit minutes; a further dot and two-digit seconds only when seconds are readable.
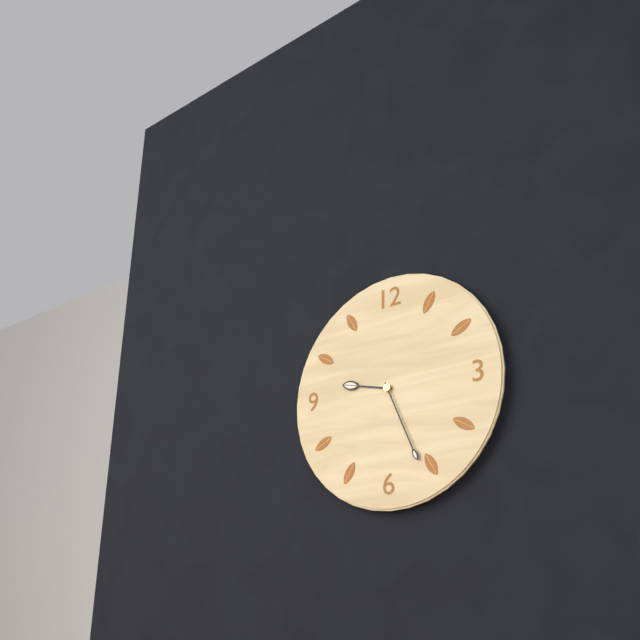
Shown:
9.26
